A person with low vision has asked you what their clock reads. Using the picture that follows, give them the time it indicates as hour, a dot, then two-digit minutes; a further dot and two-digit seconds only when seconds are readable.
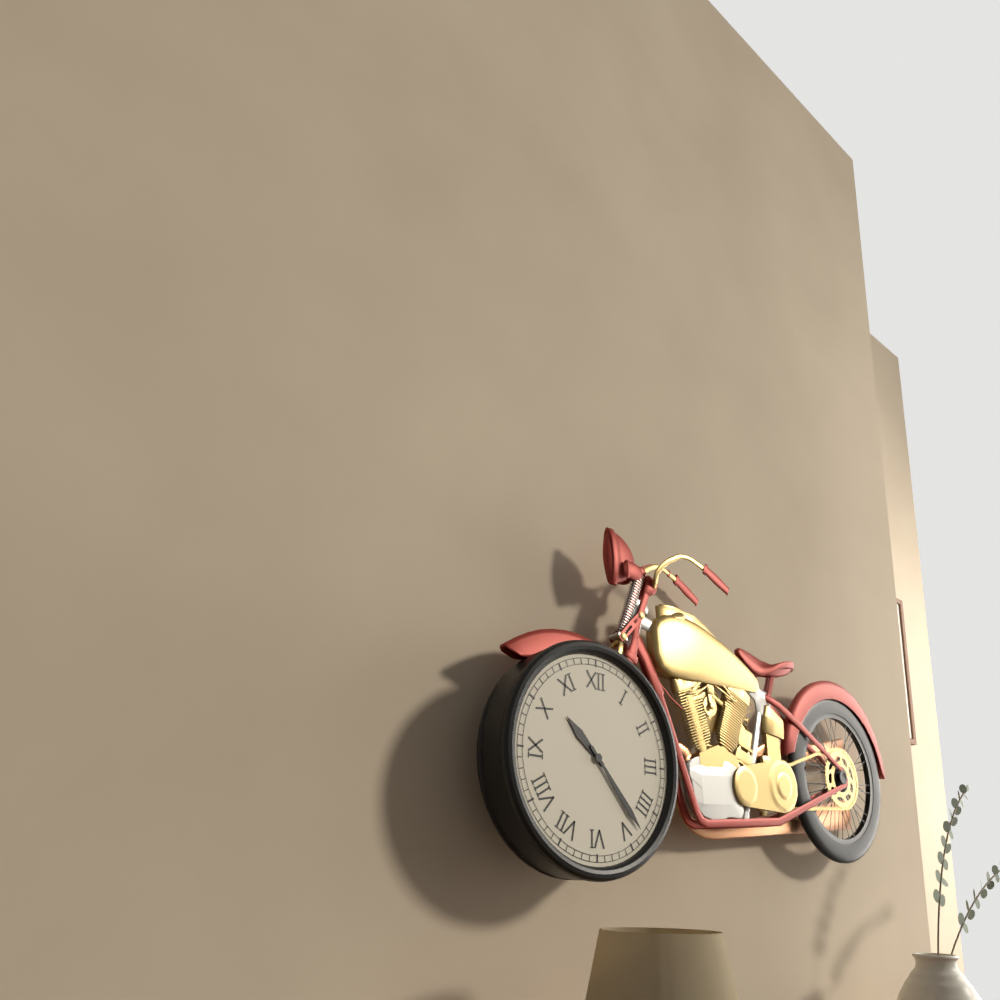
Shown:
10.23
